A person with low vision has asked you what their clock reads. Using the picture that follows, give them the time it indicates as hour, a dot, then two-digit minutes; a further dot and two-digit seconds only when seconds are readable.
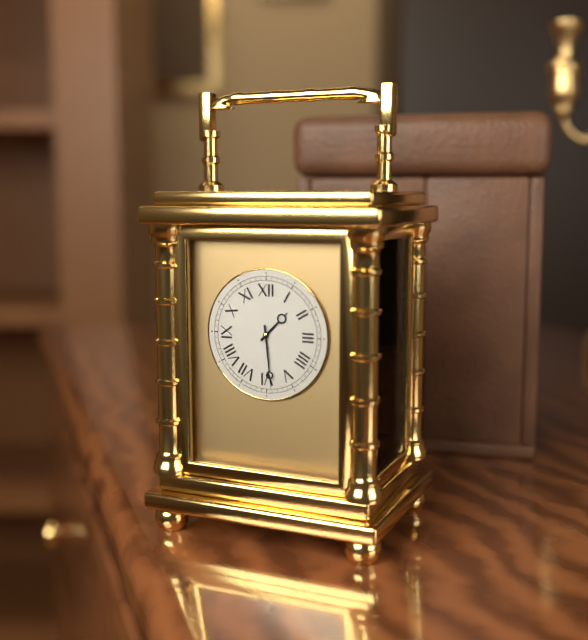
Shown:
1.29
